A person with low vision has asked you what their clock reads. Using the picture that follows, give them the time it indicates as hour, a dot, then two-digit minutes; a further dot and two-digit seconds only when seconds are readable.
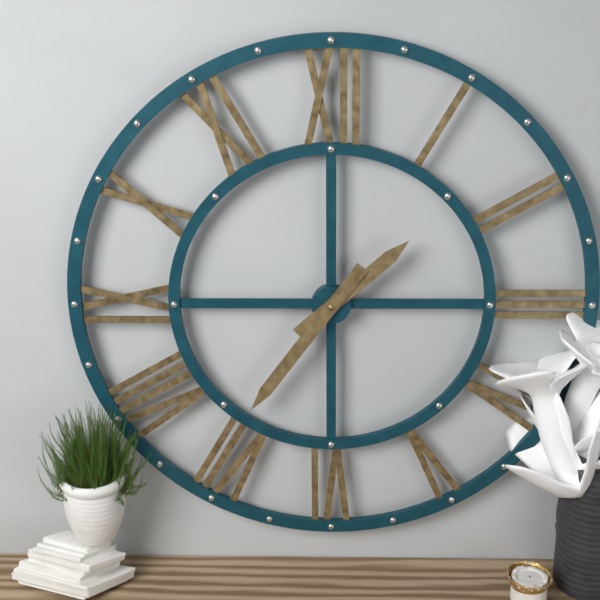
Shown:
1.36
